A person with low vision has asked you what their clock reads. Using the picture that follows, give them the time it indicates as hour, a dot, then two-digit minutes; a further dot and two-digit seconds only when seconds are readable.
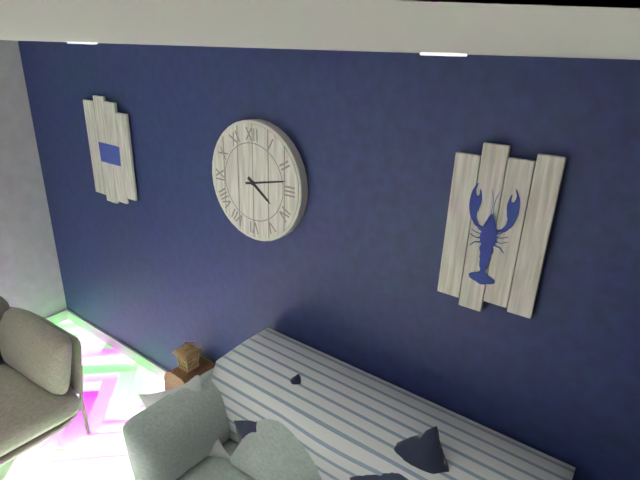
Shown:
4.13
